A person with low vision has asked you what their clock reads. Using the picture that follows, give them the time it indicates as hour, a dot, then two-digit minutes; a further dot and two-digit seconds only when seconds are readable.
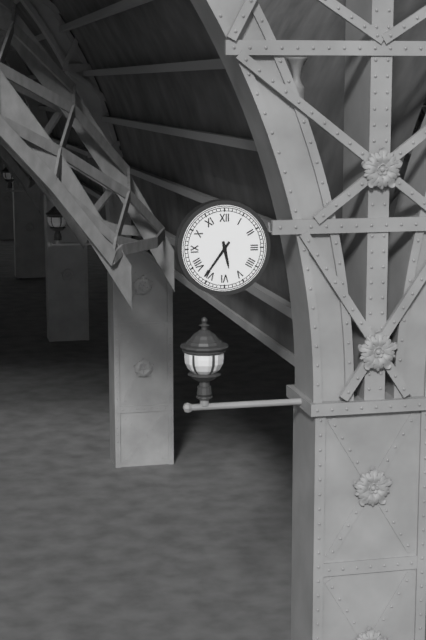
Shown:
5.36
